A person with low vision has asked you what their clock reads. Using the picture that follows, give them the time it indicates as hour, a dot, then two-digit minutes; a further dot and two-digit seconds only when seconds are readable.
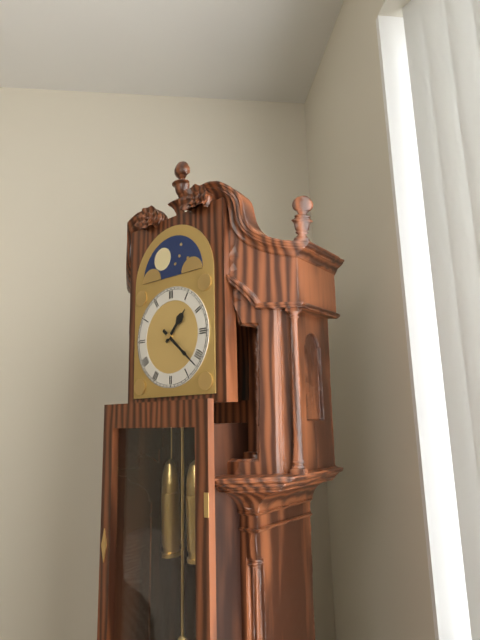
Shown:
1.22
